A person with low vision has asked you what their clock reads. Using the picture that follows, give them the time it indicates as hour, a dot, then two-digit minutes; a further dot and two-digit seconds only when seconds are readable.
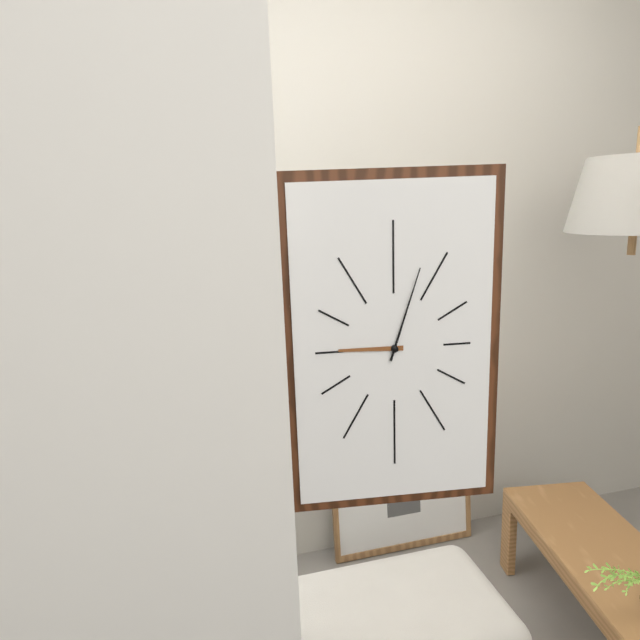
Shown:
9.03
